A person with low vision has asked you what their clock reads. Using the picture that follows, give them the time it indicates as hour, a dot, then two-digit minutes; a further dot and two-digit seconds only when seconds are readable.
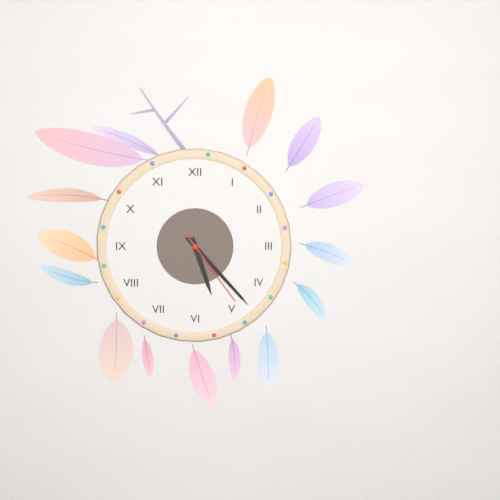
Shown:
5.23.24
